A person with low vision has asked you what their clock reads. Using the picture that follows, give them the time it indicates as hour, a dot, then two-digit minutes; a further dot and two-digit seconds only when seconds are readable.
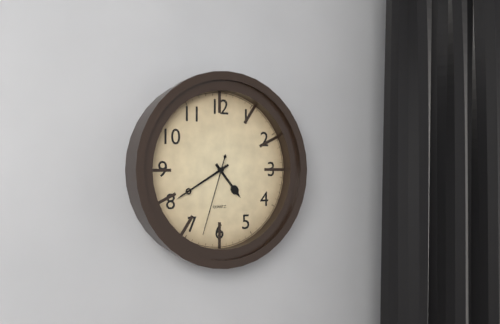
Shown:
4.40.33
